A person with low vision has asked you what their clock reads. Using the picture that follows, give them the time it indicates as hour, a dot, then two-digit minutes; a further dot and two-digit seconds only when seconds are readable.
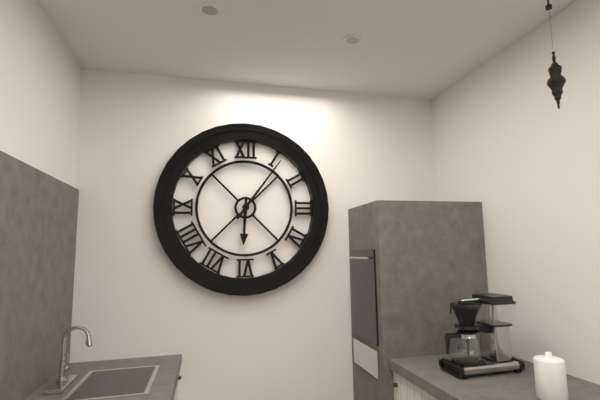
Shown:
6.06
